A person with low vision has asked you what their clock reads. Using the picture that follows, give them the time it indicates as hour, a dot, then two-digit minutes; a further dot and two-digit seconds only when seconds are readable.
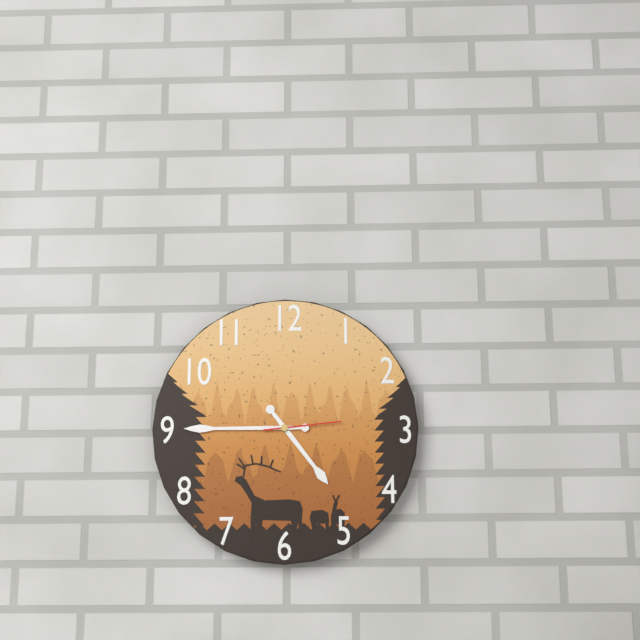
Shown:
4.45.14
